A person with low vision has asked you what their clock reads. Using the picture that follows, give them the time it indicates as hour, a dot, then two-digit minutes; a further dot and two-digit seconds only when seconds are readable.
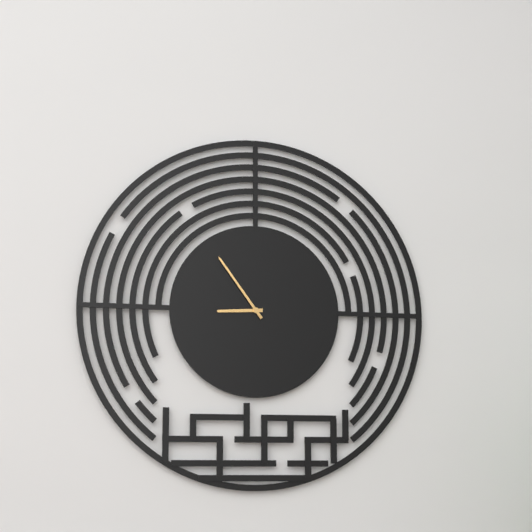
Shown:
8.54
